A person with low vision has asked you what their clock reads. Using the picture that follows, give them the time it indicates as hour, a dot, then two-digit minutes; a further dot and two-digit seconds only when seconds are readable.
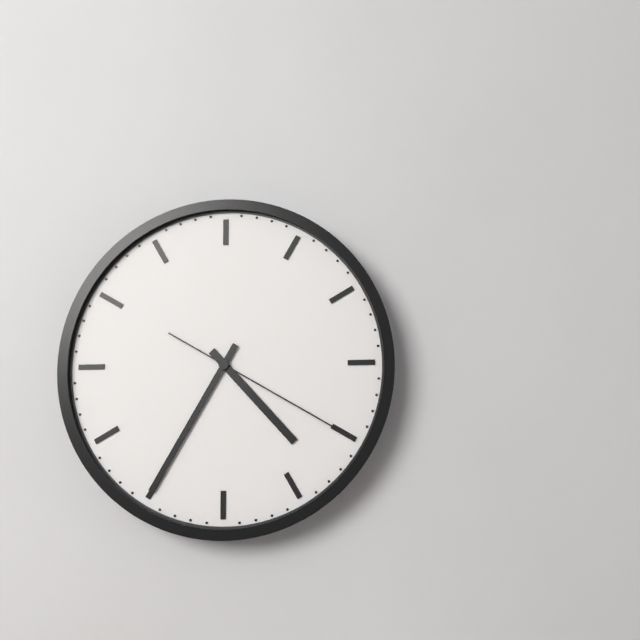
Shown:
4.35.20
